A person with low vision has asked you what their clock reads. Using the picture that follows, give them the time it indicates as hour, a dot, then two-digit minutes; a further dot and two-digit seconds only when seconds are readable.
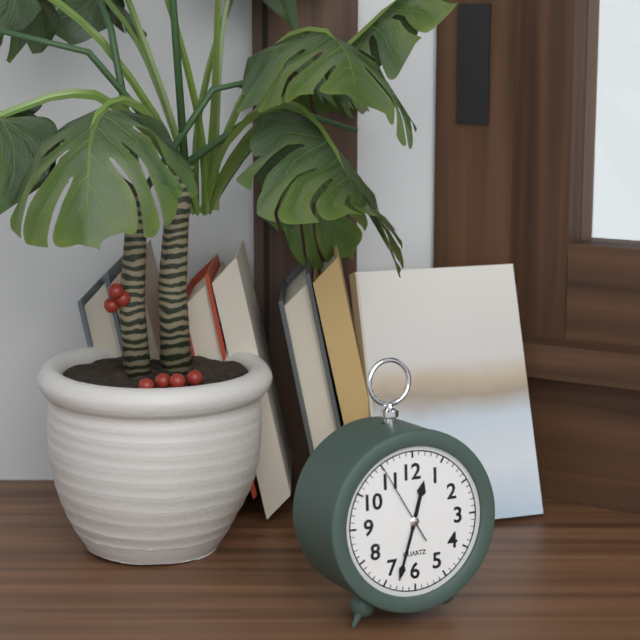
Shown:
12.33.55
